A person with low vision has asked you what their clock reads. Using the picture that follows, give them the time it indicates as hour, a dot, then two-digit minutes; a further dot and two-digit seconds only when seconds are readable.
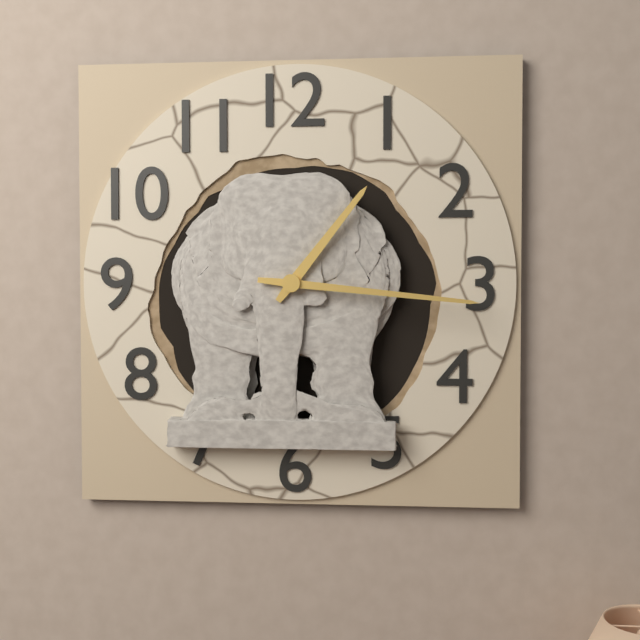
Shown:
1.16
